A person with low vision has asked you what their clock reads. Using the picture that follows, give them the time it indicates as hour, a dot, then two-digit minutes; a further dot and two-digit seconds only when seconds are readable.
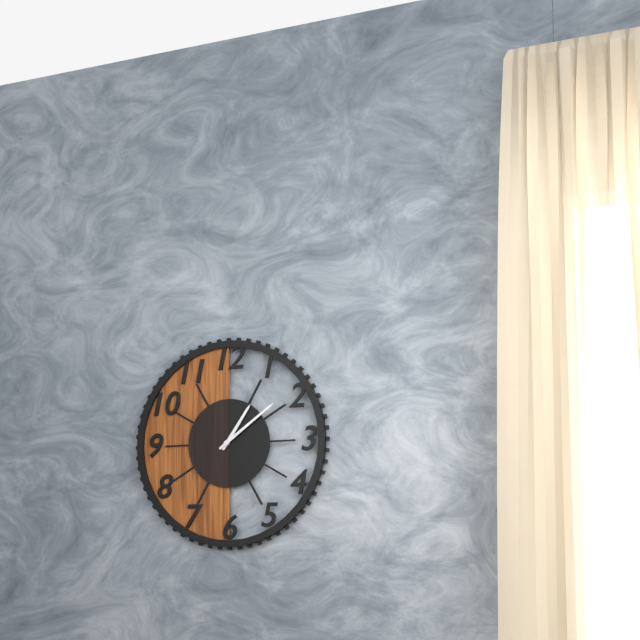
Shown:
1.09
